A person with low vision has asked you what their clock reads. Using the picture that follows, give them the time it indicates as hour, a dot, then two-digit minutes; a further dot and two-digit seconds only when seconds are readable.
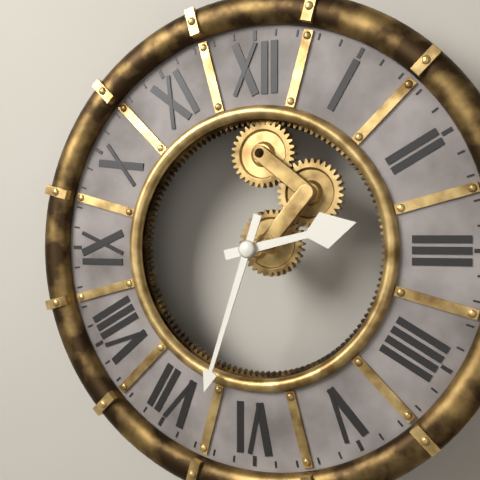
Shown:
2.33
